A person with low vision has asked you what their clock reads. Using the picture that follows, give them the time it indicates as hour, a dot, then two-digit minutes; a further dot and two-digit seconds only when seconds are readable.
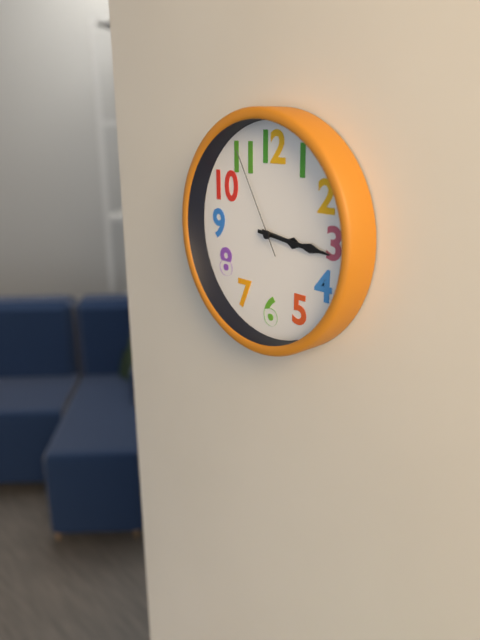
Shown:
3.16.55
